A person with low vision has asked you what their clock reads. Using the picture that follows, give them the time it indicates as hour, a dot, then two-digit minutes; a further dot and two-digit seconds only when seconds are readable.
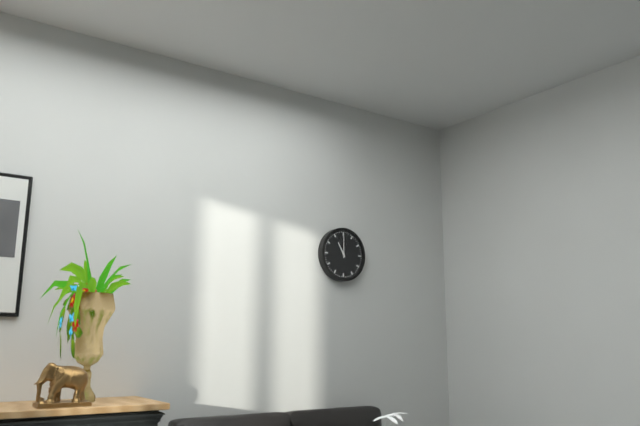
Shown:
11.00
